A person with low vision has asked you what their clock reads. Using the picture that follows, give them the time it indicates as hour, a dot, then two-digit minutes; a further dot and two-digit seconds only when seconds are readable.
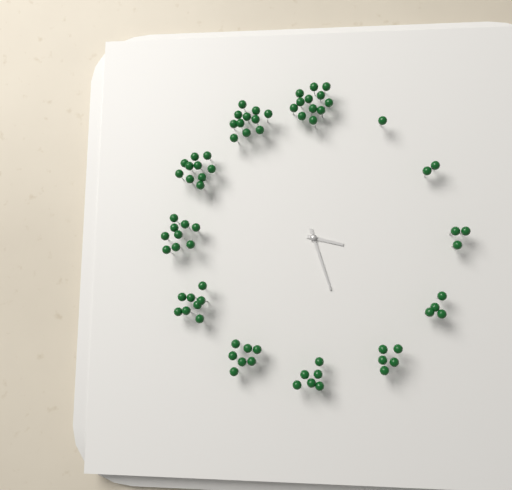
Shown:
3.27
